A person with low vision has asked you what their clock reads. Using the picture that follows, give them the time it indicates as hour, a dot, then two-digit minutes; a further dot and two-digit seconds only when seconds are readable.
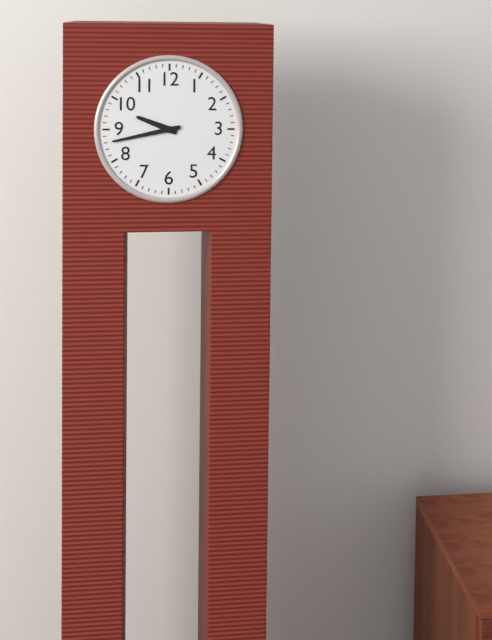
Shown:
9.43
